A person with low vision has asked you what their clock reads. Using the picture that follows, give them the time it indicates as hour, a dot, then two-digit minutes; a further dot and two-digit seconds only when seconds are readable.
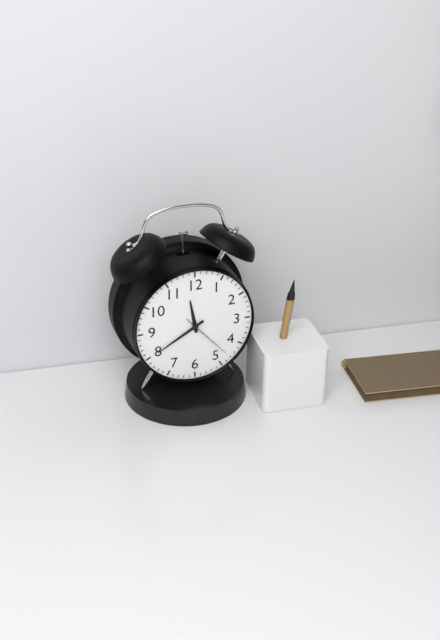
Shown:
11.40.23
